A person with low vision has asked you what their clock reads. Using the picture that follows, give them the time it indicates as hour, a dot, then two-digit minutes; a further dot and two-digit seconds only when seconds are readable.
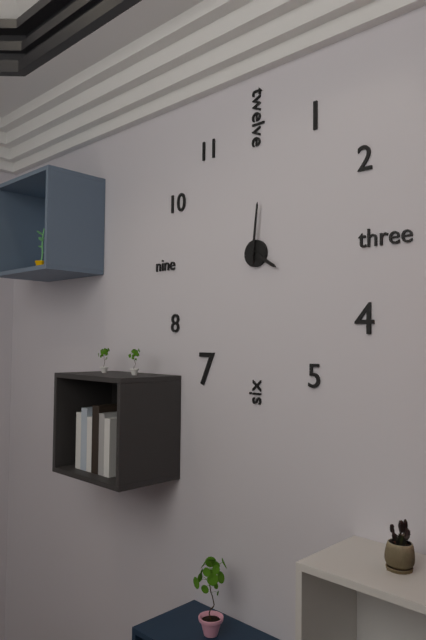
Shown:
4.01
